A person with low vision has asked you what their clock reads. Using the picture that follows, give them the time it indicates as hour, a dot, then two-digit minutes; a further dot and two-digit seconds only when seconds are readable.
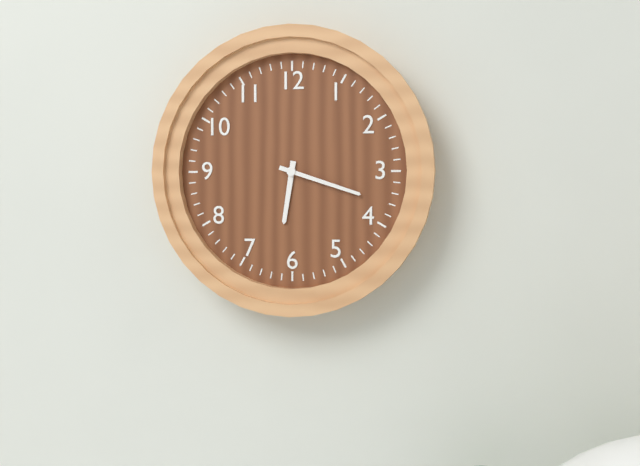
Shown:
6.18
